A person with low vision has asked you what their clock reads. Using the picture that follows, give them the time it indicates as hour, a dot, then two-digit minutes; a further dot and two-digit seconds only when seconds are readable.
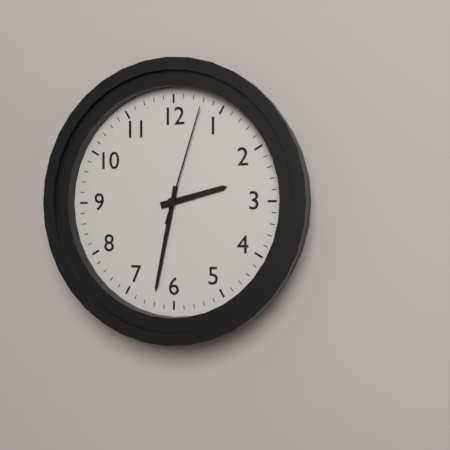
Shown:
2.32.03
